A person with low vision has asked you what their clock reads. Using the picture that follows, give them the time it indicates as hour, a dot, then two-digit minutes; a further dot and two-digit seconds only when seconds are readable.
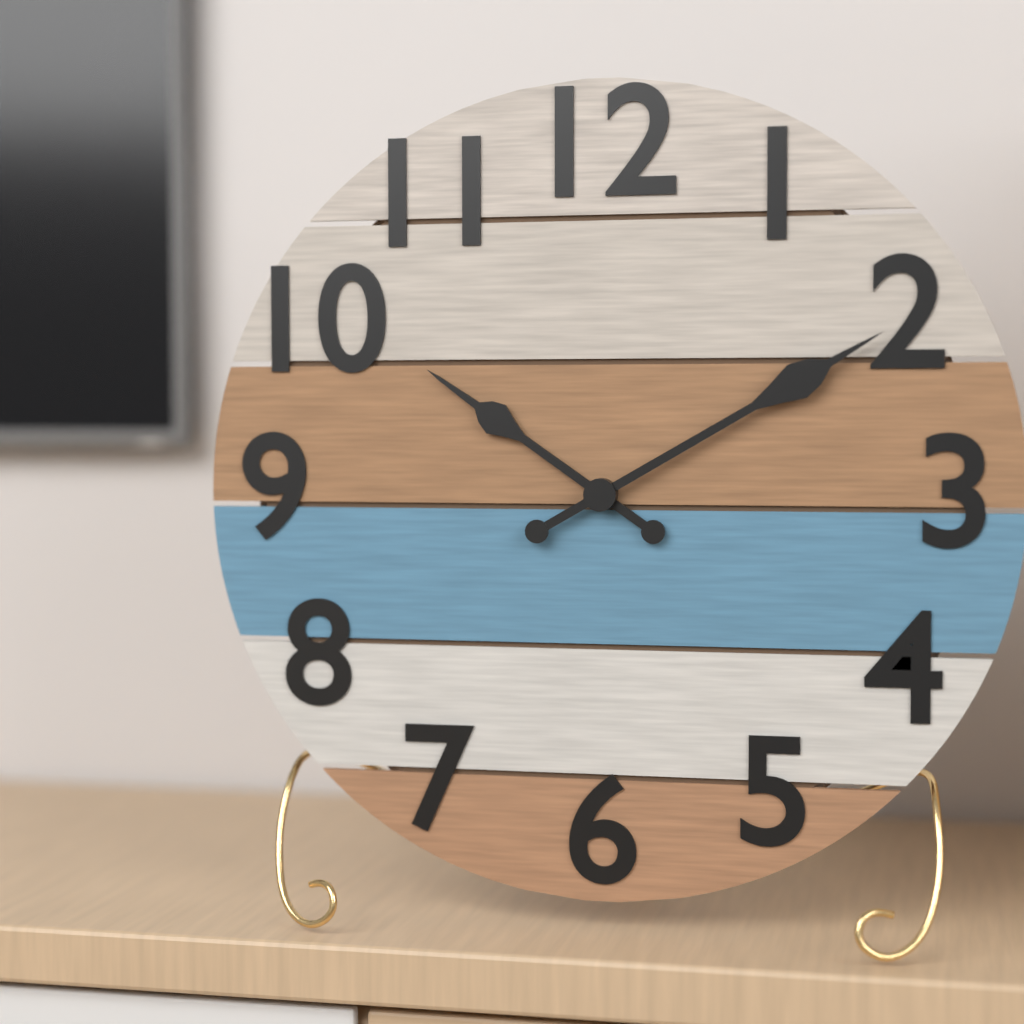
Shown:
10.10
